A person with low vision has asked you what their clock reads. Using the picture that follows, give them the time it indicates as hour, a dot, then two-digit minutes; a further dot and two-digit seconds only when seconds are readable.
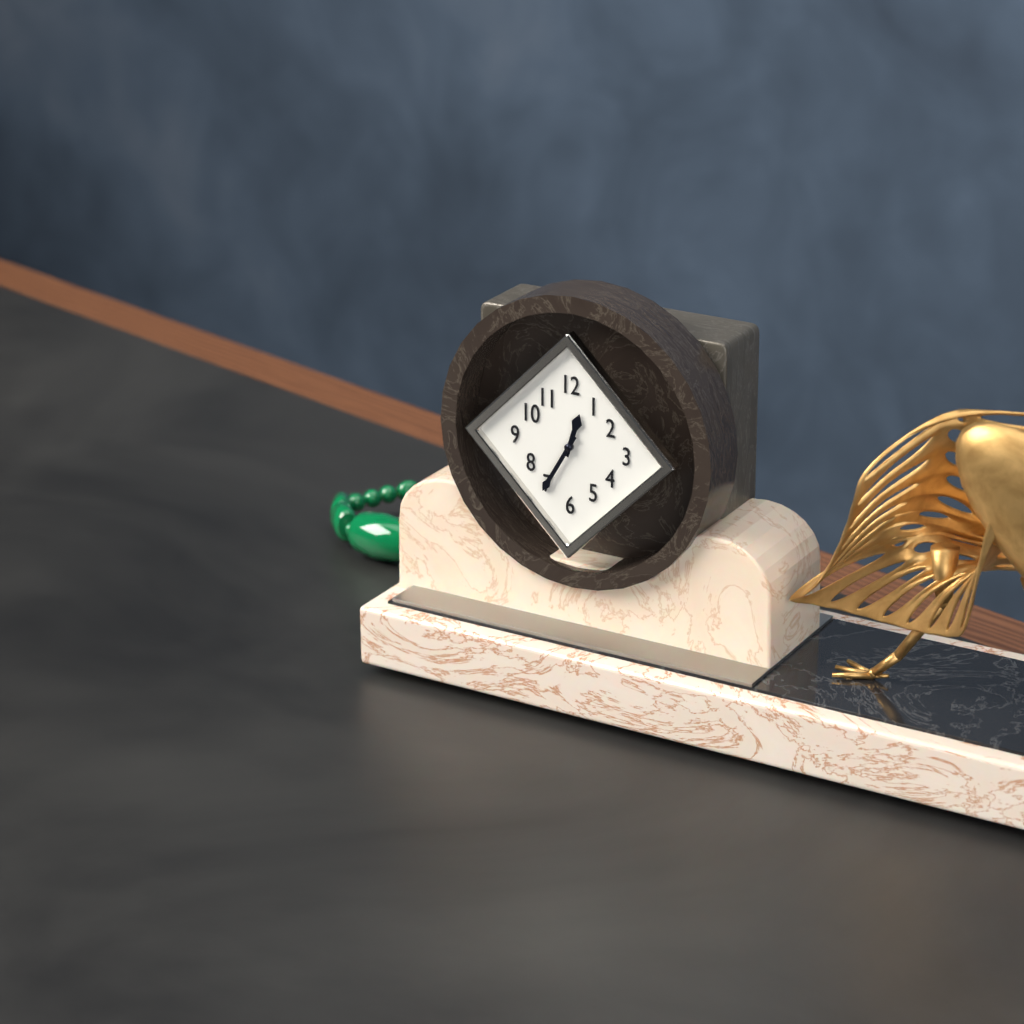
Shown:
12.35
